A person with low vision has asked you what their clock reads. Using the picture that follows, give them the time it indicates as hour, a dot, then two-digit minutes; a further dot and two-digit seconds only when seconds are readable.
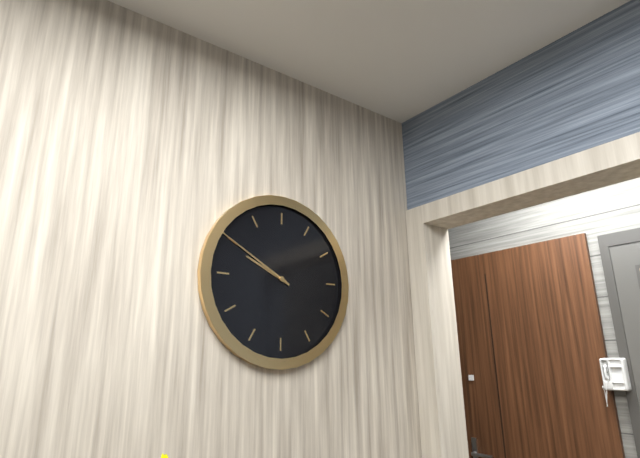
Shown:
9.50
